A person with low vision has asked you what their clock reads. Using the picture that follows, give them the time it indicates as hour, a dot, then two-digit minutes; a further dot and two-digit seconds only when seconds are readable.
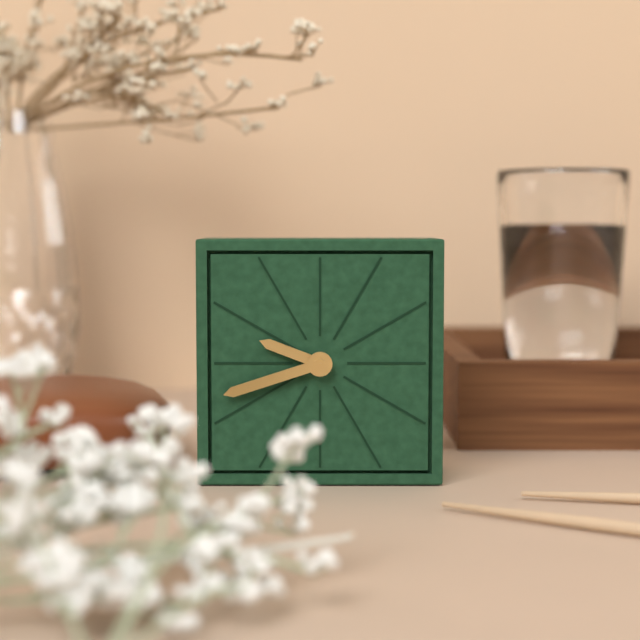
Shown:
9.42
